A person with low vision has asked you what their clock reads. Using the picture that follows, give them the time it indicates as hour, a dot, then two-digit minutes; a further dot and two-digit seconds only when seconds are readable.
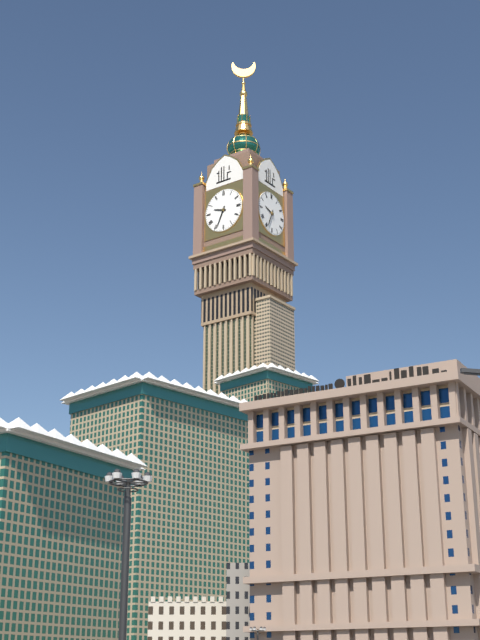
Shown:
9.34
